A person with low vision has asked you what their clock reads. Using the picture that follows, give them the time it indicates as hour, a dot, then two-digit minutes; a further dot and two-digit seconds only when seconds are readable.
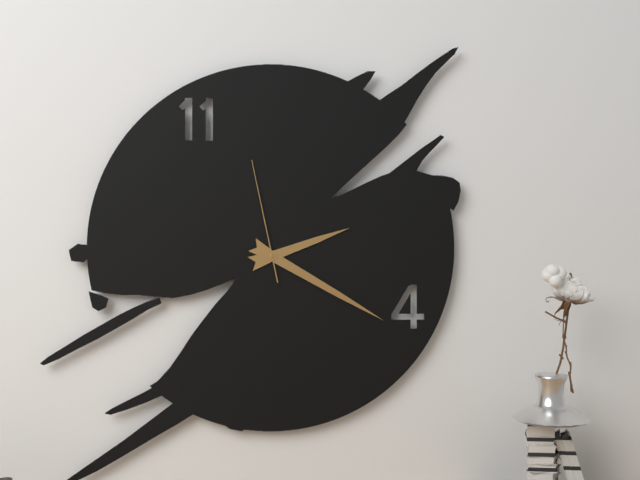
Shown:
2.20.58
